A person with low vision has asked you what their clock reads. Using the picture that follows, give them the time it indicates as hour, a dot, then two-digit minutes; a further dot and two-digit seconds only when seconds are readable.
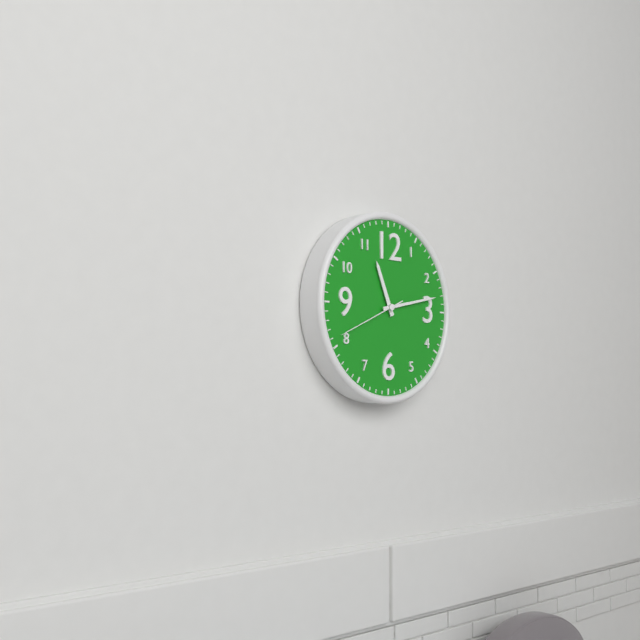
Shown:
11.13
